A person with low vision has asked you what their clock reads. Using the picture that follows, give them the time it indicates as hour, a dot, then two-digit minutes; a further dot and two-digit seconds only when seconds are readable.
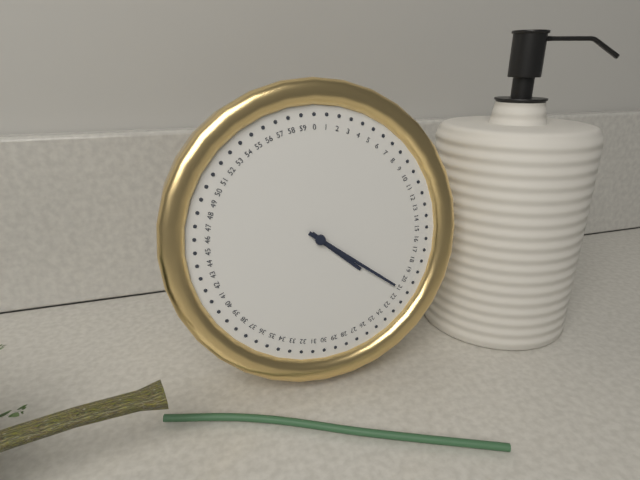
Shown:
4.21
